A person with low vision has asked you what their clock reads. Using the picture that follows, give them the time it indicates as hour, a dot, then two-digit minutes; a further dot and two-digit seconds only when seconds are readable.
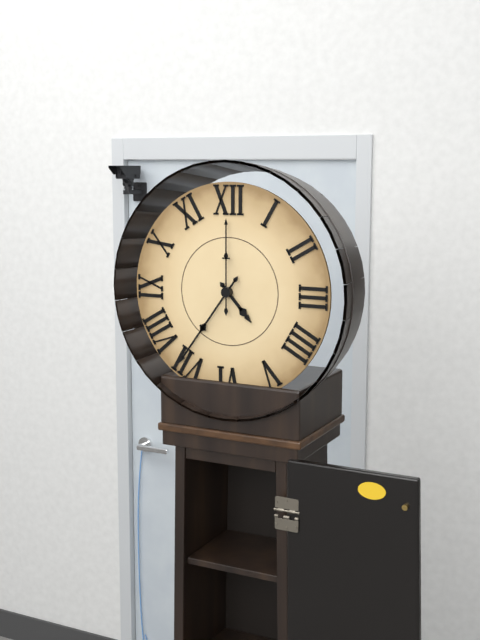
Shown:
4.36.00
